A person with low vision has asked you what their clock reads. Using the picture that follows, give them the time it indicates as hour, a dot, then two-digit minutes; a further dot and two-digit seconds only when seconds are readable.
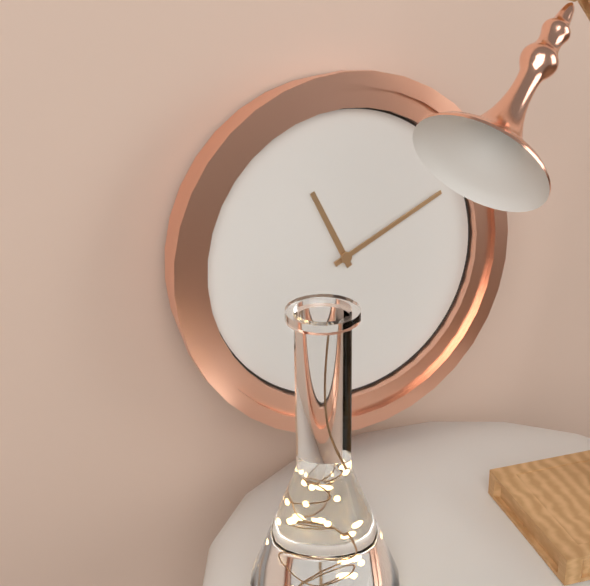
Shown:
11.11
